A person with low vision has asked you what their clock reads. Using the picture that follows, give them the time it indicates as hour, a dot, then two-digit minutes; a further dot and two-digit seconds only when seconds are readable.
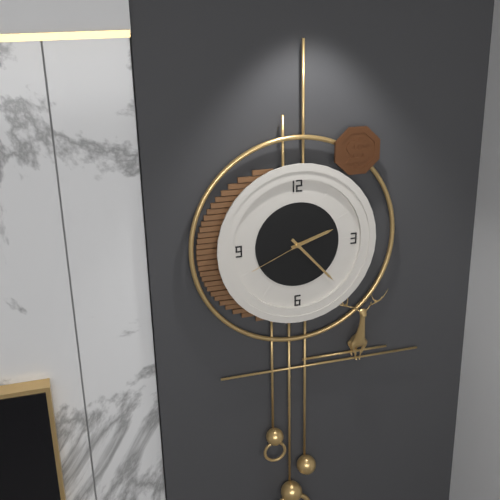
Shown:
2.23.41
